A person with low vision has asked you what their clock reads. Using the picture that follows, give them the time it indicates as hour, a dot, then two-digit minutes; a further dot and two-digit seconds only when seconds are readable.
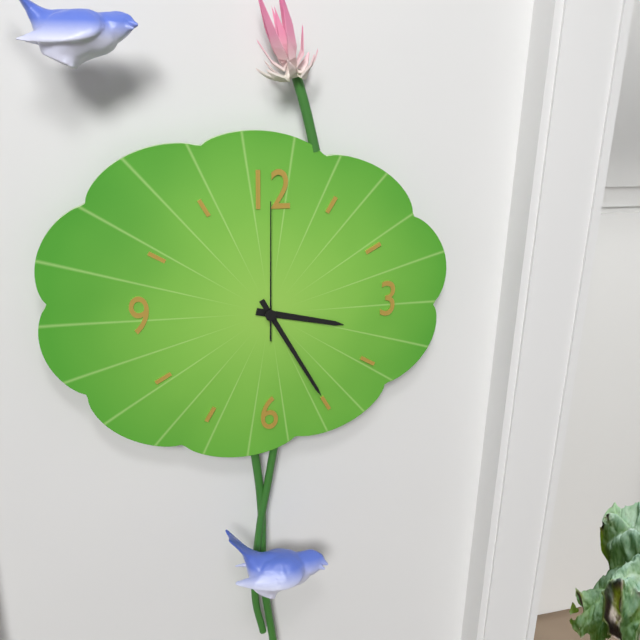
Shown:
3.25.00
